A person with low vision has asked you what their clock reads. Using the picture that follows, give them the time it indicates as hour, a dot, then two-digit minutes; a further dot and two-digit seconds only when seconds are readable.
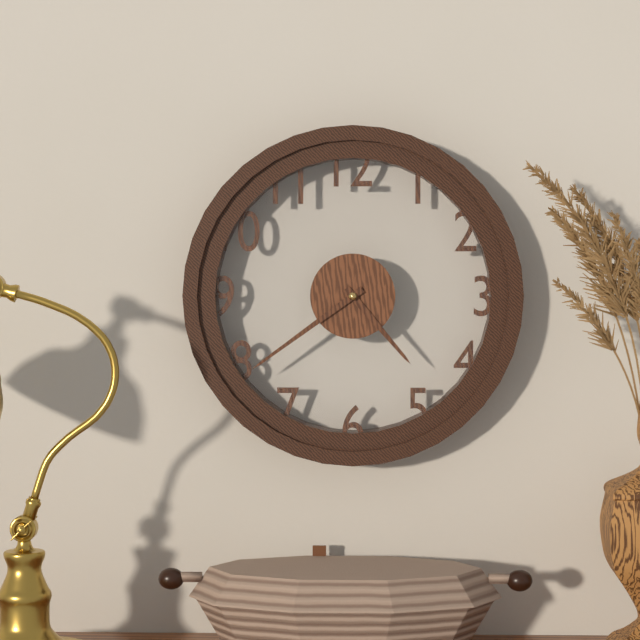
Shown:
4.39
